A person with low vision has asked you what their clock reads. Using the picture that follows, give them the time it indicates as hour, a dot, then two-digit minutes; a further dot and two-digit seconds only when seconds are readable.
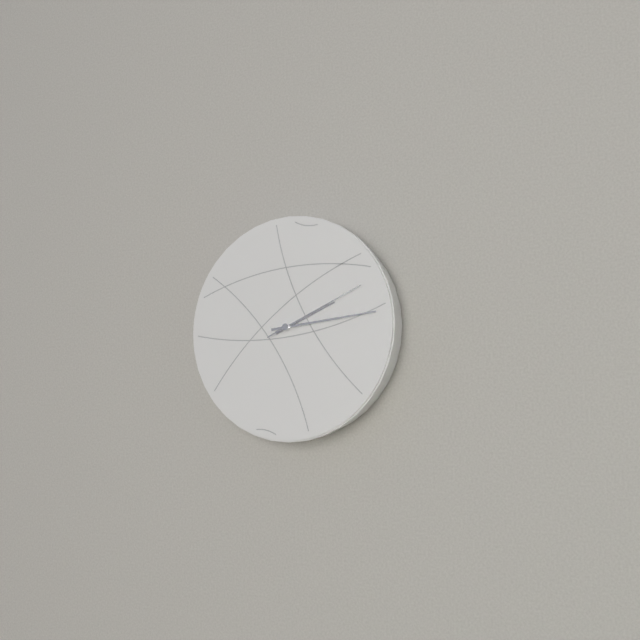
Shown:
2.14.11
